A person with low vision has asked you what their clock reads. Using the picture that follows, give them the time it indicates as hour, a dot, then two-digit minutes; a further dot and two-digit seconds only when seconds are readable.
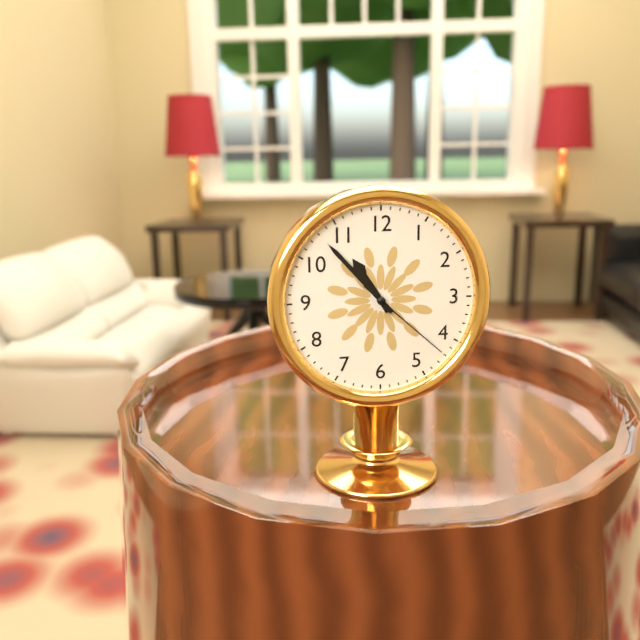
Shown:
10.53.22
